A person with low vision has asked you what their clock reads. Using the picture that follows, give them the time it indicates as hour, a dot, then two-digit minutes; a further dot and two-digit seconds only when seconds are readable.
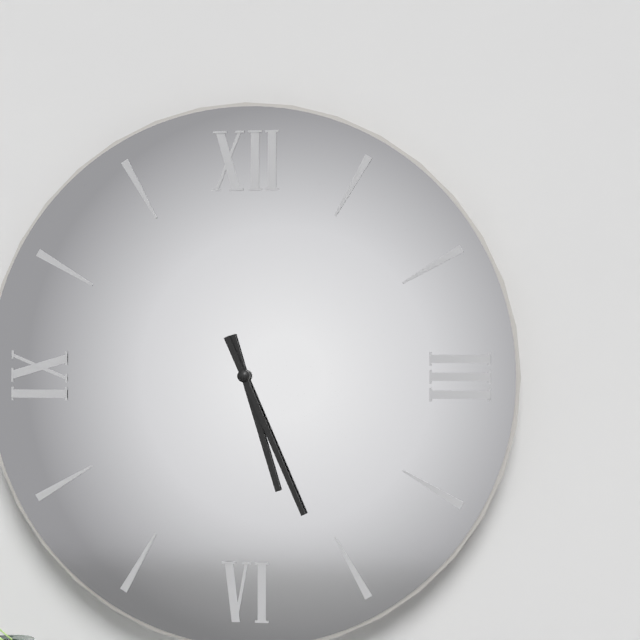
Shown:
5.26
